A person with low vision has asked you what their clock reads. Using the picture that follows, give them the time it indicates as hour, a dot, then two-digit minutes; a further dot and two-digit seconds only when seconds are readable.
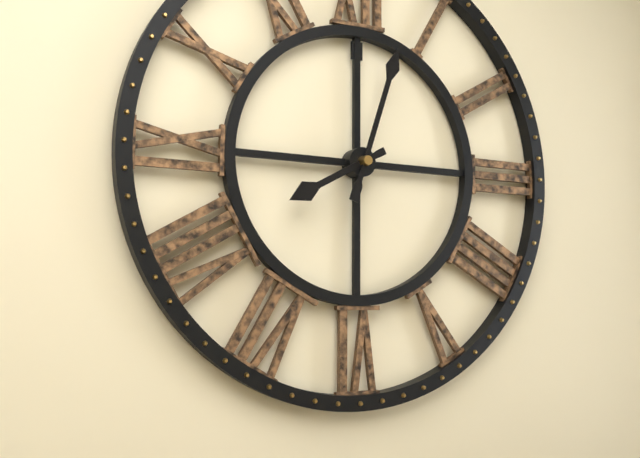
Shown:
8.03
